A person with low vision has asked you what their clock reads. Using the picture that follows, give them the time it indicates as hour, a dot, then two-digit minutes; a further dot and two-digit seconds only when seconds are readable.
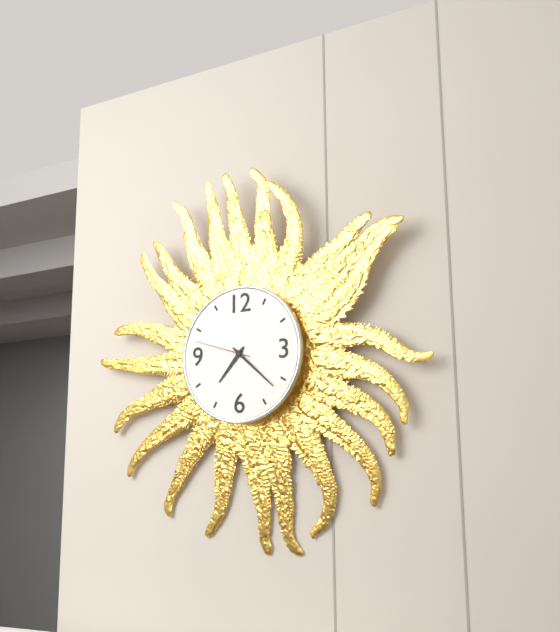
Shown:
7.22.48
